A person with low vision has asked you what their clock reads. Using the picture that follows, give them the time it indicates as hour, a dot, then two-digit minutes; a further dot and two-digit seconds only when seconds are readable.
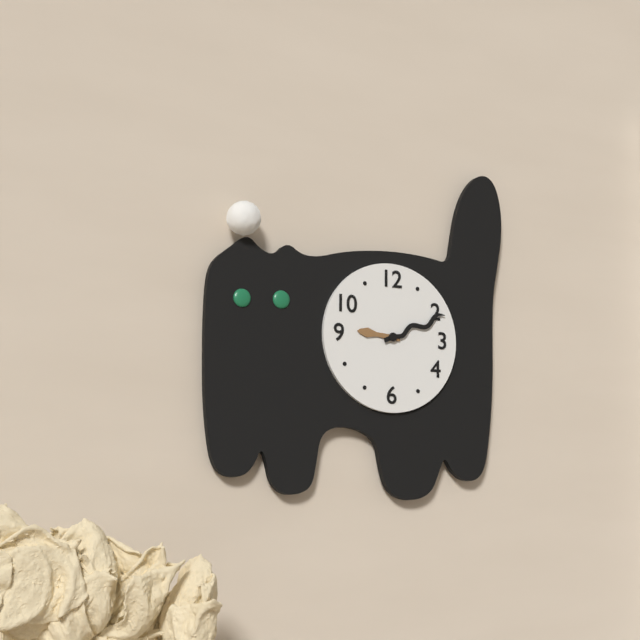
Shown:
9.11
